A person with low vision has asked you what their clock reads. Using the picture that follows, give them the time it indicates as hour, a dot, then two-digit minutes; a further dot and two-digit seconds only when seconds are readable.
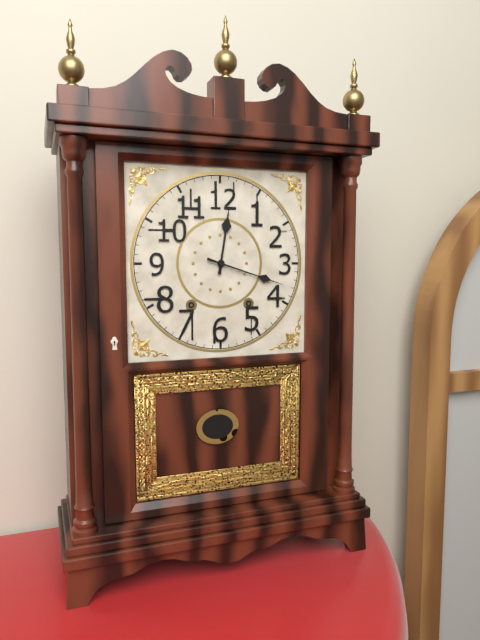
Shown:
12.18
